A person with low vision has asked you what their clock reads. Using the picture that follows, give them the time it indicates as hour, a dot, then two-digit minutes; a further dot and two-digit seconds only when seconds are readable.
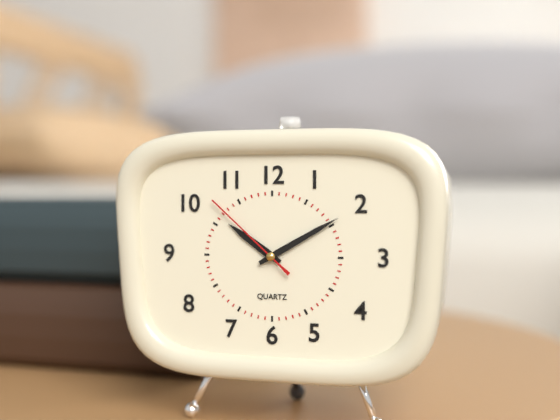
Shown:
10.10.52
